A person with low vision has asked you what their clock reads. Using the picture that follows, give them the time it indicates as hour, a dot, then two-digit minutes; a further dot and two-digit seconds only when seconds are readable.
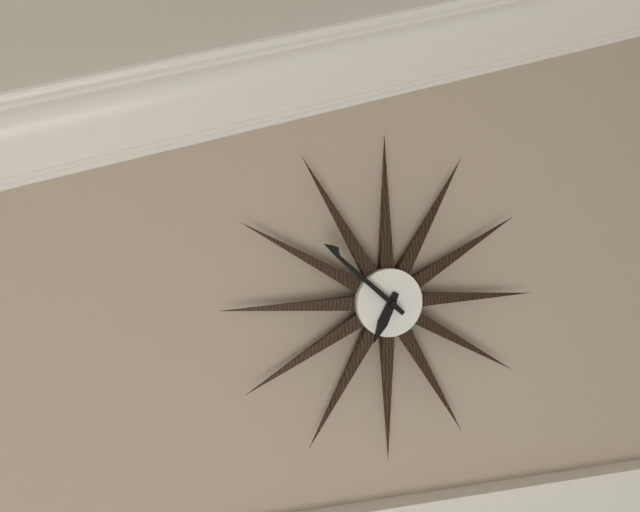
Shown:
6.52
